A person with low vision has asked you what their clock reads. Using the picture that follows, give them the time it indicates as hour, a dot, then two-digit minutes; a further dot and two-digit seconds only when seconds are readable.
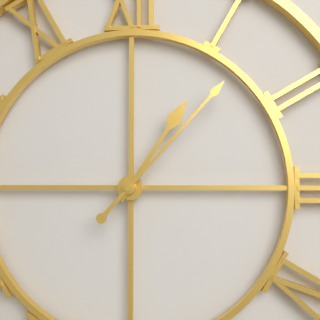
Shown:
1.07
